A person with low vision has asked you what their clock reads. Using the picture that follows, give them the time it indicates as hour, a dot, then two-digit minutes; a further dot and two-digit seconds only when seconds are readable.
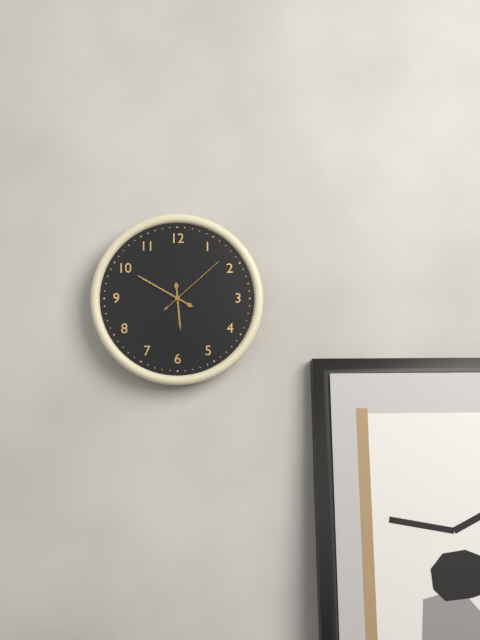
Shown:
5.50.08
